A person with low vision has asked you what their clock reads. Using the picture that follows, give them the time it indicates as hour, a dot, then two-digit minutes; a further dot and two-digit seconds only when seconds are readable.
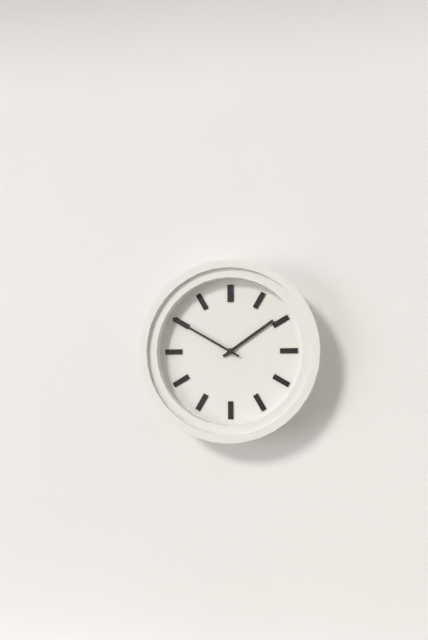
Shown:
1.50
